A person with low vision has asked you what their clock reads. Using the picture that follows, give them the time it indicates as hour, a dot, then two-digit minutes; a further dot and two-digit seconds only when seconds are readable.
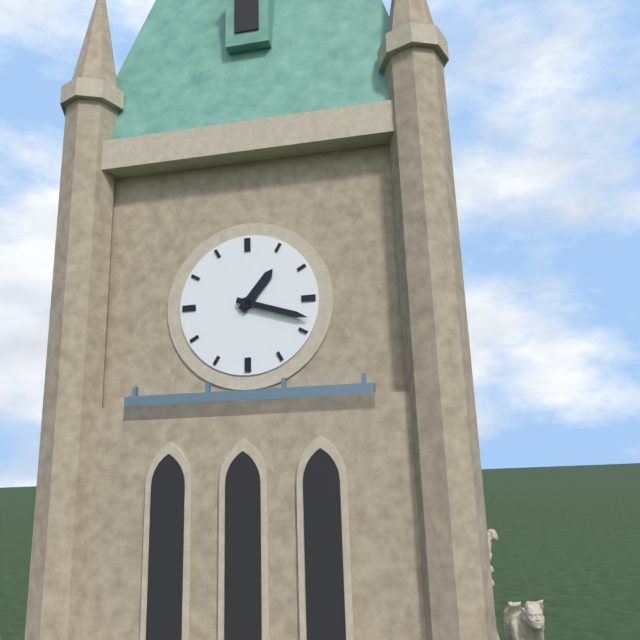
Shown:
1.18
